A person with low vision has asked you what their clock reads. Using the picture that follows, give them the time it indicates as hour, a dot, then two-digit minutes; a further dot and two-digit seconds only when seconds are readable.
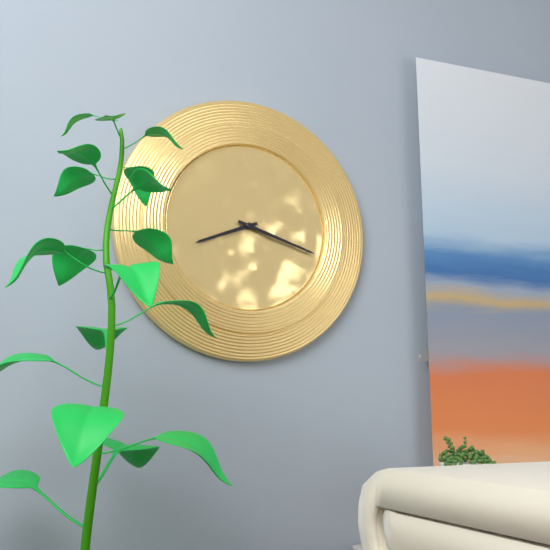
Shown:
8.18
